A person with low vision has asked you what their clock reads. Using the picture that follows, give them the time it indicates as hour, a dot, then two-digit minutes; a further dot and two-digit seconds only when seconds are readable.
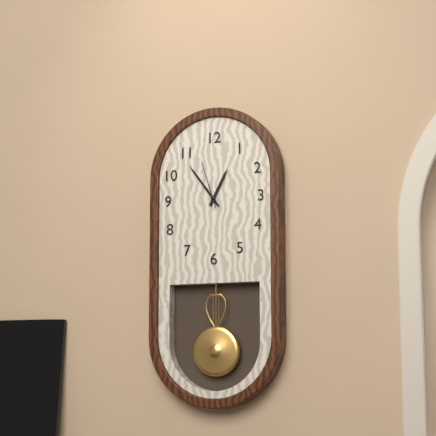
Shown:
12.54
